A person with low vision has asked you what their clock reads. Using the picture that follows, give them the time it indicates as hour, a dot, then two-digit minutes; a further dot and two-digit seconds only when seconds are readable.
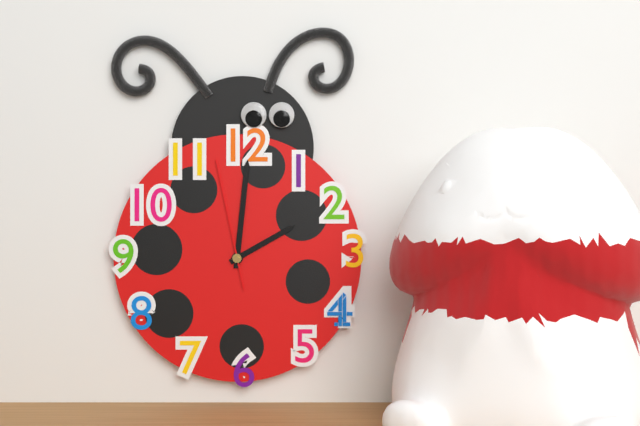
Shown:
2.01.58
